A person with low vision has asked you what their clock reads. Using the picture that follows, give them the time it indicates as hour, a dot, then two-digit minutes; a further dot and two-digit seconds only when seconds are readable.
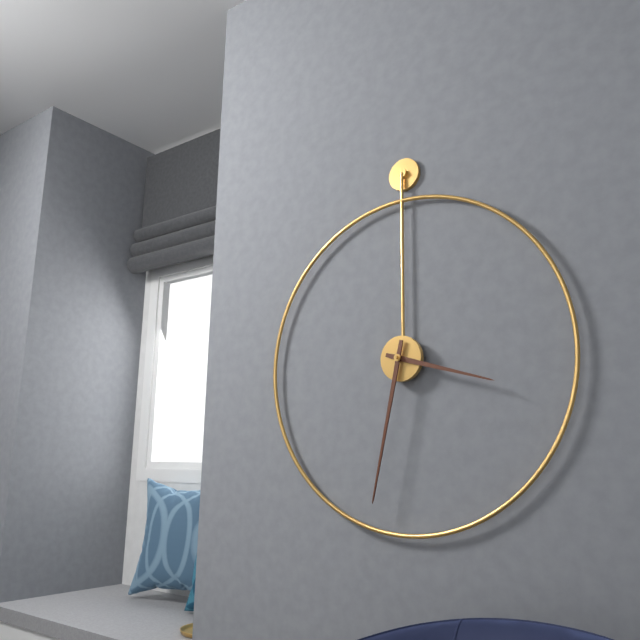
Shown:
3.32
